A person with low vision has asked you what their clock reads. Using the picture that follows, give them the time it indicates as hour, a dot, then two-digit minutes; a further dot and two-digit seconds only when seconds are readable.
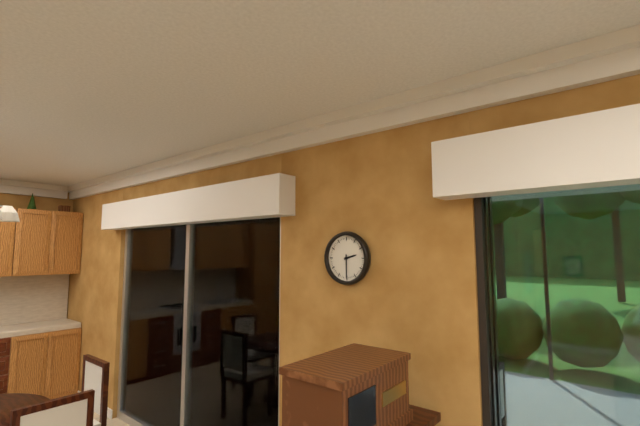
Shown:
2.30
